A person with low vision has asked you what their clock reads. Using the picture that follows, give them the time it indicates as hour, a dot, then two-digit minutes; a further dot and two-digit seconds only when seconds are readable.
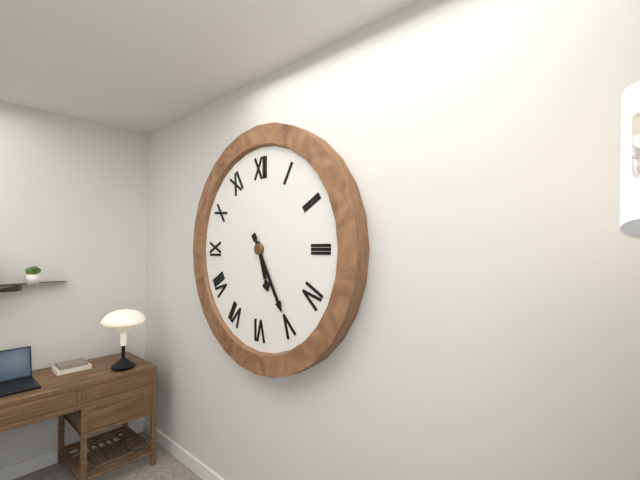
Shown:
5.25
